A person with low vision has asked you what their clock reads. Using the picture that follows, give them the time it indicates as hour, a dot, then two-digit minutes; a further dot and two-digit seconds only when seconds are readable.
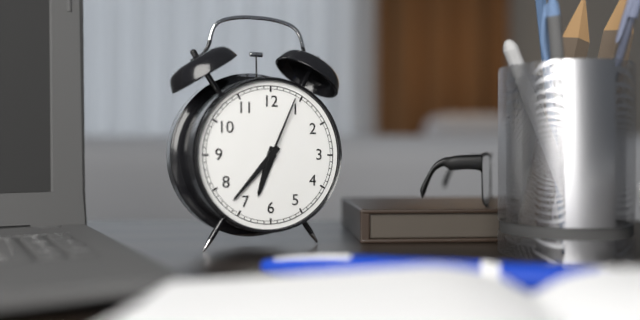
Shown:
6.37.04
